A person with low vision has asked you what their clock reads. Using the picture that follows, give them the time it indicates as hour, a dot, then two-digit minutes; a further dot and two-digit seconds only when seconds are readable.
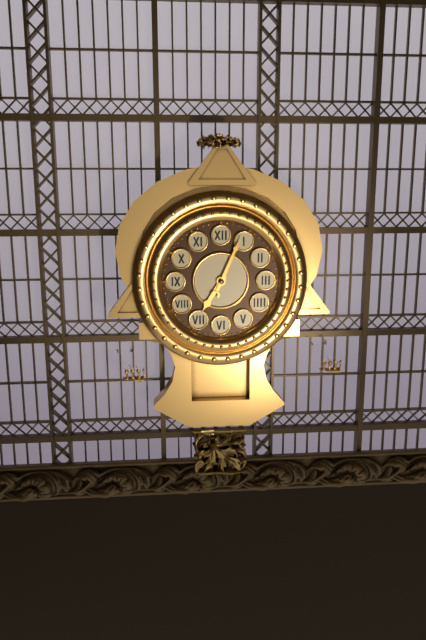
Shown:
7.04
